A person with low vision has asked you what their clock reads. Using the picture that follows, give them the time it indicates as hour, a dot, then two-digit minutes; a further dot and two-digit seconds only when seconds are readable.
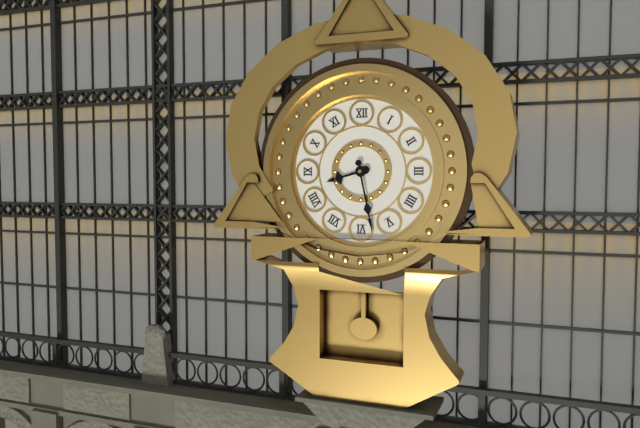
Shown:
8.28
